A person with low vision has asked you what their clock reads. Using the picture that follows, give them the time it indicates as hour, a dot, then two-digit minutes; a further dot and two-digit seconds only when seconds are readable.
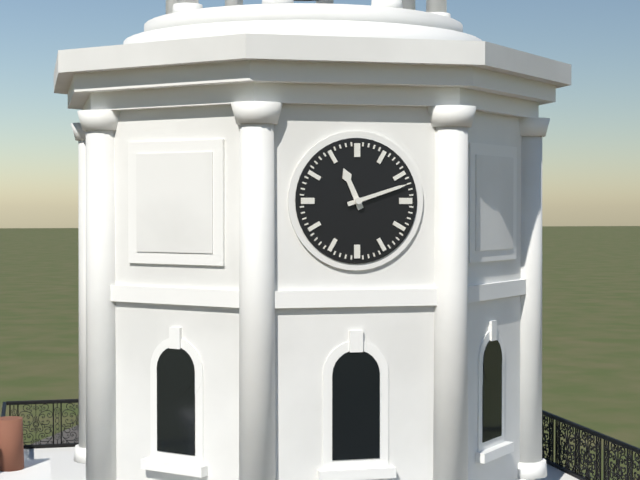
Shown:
11.12
